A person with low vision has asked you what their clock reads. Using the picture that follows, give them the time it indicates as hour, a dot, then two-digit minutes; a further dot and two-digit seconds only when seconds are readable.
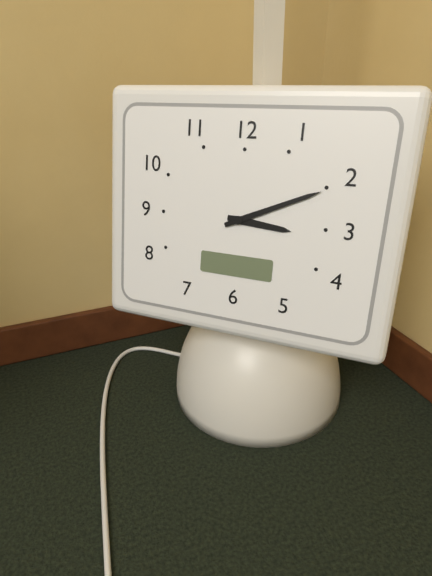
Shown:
3.11
